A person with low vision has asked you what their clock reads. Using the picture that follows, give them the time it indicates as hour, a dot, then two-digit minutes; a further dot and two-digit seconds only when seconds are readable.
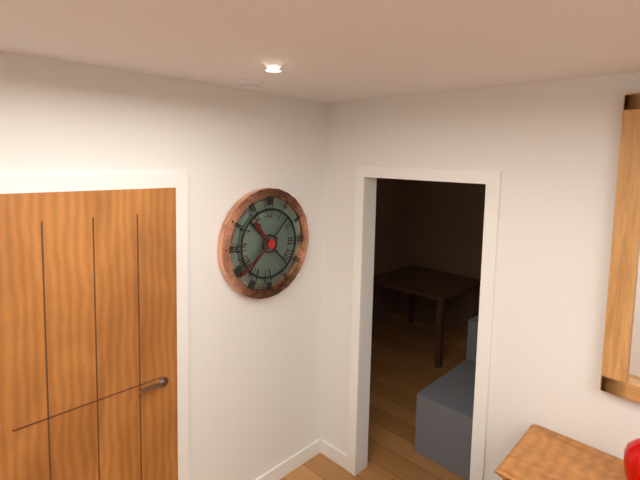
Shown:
10.39
